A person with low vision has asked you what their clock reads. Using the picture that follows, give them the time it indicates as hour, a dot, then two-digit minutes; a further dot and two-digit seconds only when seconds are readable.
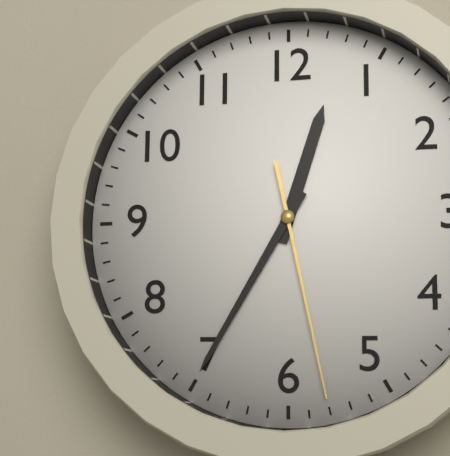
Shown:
12.35.28
